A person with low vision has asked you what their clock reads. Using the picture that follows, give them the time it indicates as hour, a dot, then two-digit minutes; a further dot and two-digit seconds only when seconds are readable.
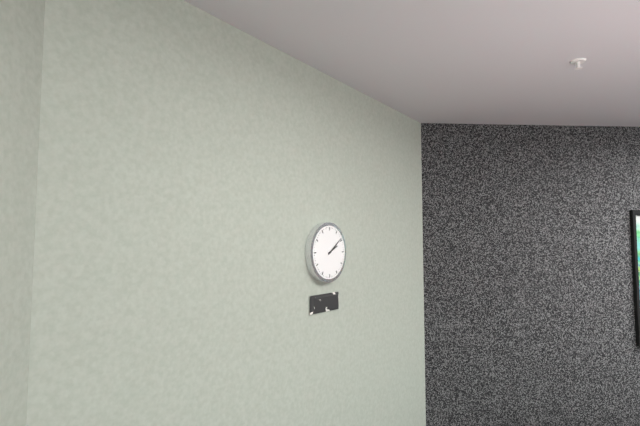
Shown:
2.09
